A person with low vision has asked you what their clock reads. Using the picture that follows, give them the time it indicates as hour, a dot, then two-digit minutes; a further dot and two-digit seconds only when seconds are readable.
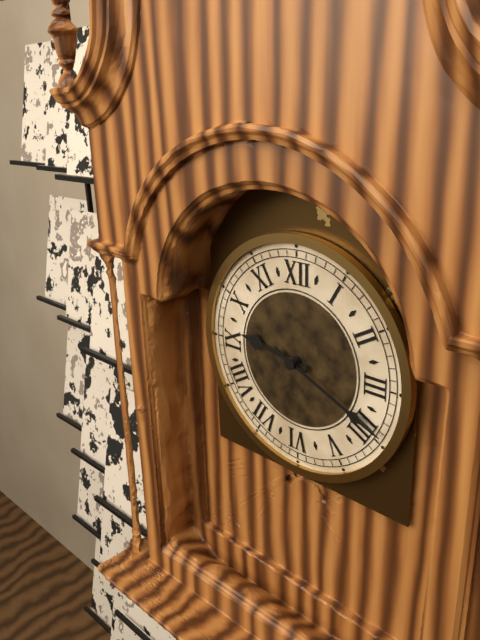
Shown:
9.19
